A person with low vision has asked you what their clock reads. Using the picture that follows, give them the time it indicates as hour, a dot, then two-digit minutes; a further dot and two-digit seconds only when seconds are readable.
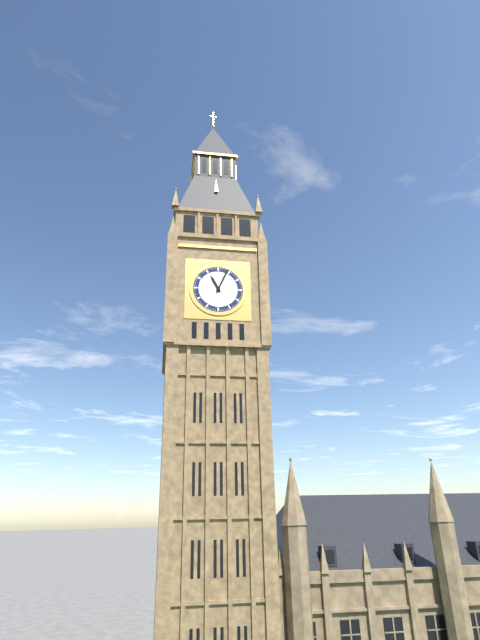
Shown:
11.04
